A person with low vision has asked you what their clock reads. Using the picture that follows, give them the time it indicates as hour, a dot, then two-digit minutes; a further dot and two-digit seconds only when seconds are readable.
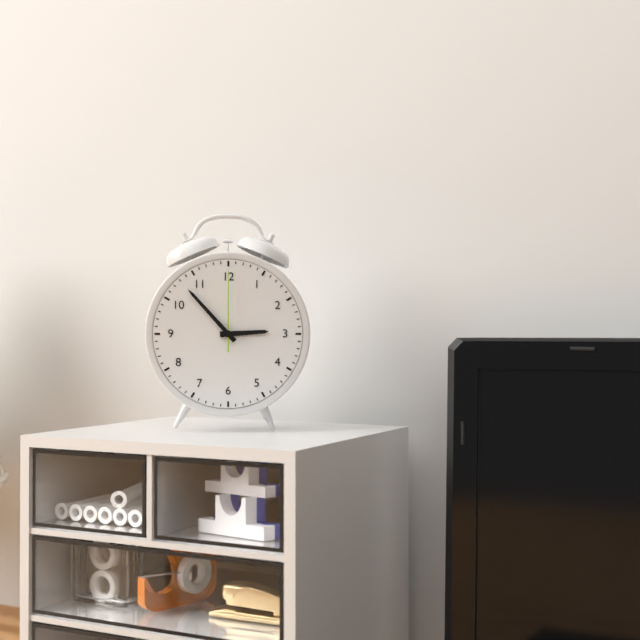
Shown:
2.53.00
